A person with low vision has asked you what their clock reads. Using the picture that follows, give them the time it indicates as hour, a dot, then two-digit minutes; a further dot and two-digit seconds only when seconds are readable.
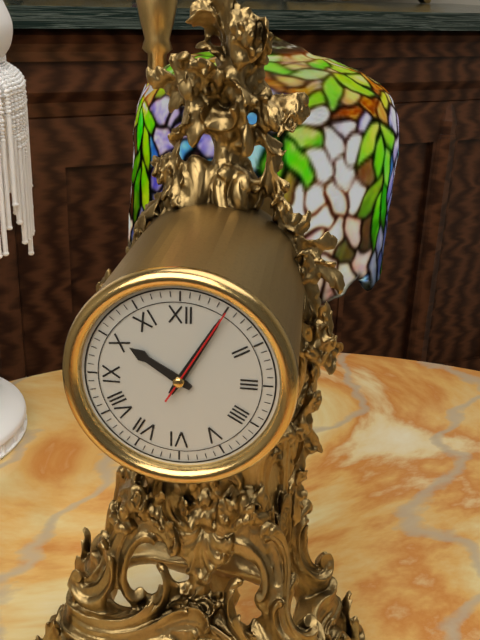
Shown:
10.05.05
